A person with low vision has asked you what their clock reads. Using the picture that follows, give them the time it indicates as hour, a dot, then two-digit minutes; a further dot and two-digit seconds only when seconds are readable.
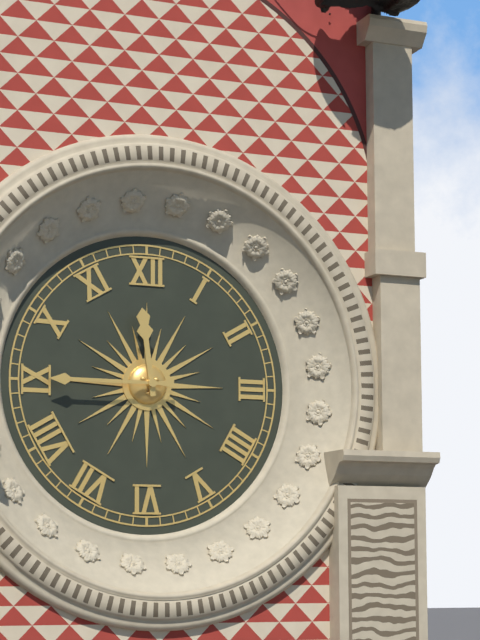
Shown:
11.45
